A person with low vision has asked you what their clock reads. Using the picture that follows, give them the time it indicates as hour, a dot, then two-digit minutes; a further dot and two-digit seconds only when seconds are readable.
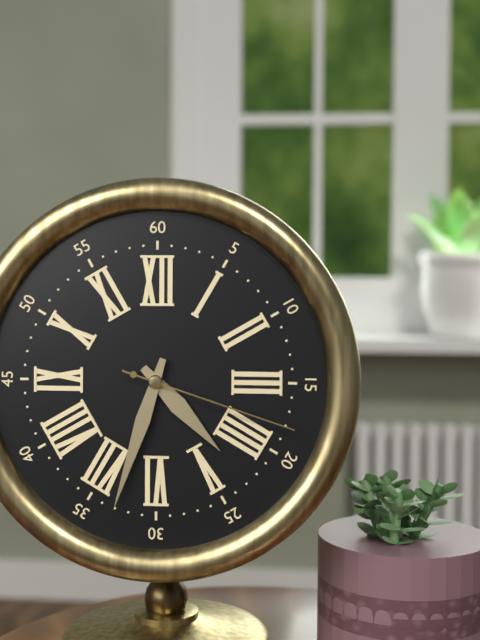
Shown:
4.33.18
